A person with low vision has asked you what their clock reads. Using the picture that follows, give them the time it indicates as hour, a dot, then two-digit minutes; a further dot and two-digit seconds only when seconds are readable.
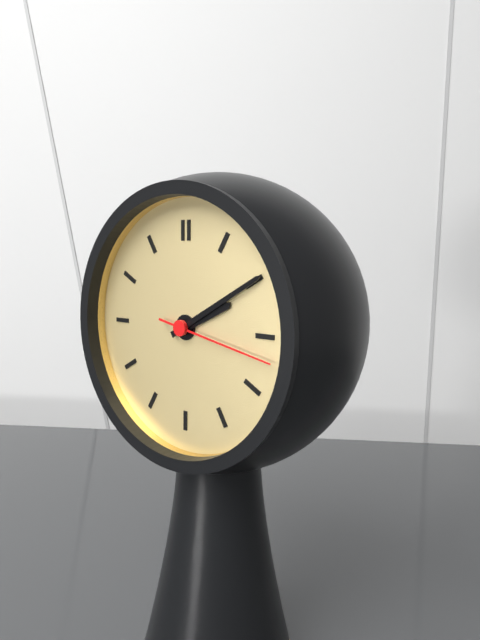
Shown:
2.10.17
